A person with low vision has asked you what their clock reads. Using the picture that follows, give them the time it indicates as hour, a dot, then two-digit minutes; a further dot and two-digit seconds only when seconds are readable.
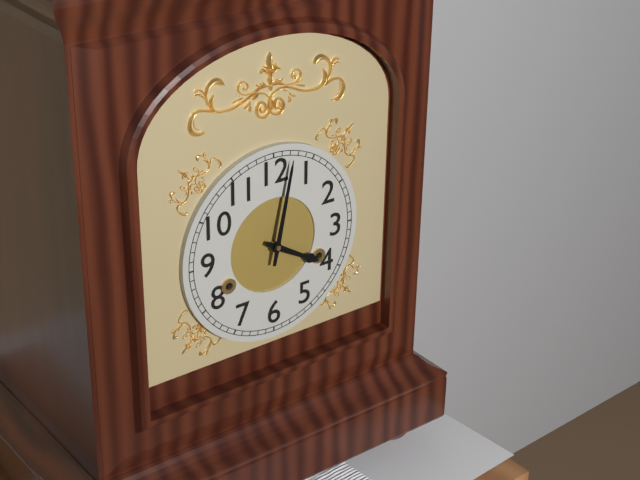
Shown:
4.02
